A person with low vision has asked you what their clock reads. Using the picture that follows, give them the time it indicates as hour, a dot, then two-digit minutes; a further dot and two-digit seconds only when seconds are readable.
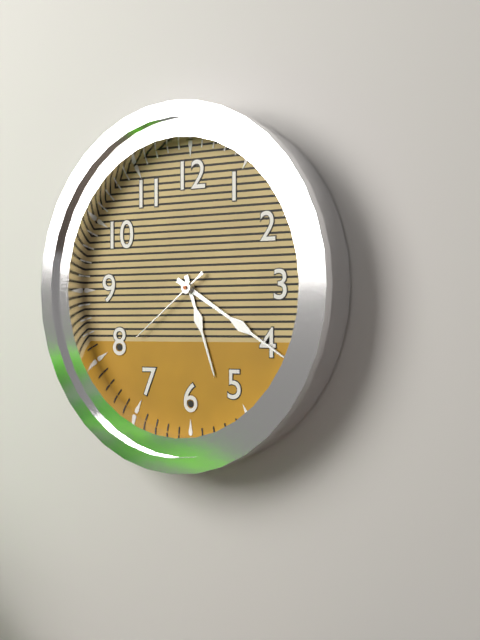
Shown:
5.20.39
